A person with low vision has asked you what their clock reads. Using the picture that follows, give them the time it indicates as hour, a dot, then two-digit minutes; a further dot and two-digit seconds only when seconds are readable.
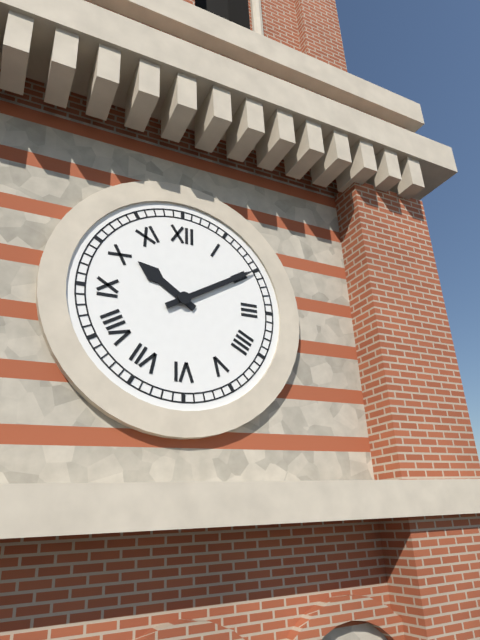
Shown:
10.10
